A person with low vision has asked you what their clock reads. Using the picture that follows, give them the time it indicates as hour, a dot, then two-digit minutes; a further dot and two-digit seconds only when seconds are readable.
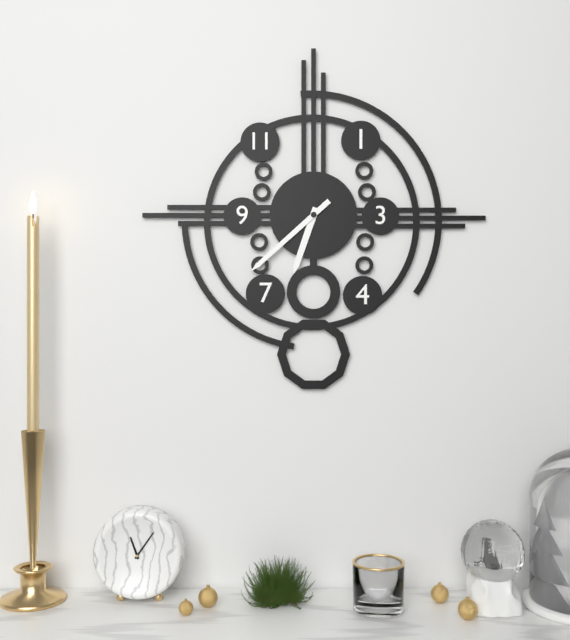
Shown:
6.38
